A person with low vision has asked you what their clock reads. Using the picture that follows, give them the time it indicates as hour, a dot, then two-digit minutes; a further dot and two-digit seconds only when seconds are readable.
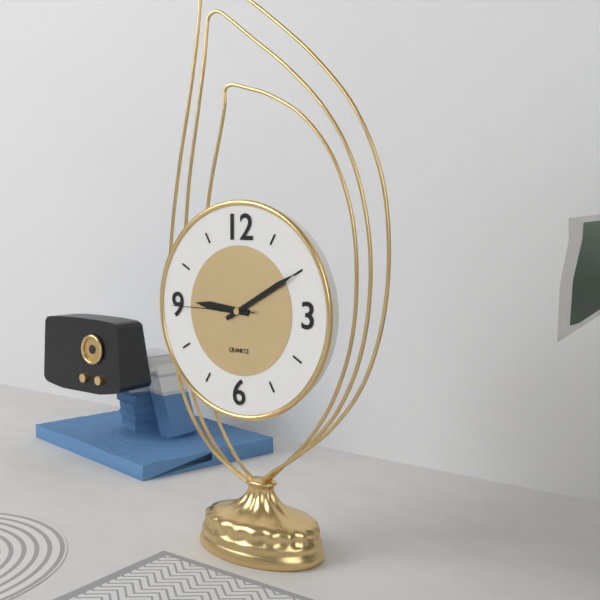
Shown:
9.10.45
